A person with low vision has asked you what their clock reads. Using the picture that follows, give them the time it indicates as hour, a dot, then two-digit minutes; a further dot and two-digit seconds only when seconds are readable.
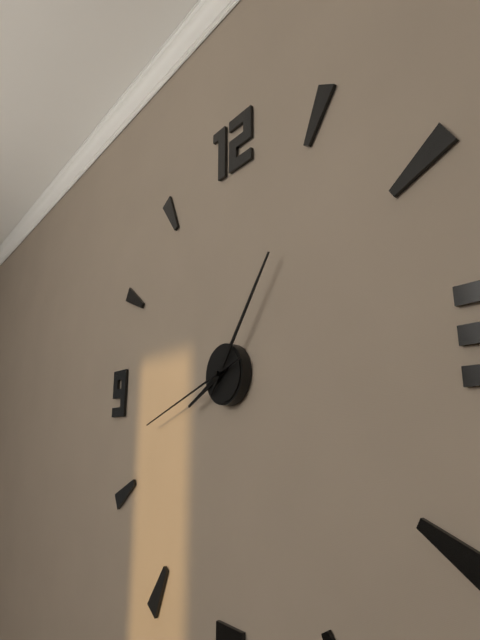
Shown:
8.06.42
